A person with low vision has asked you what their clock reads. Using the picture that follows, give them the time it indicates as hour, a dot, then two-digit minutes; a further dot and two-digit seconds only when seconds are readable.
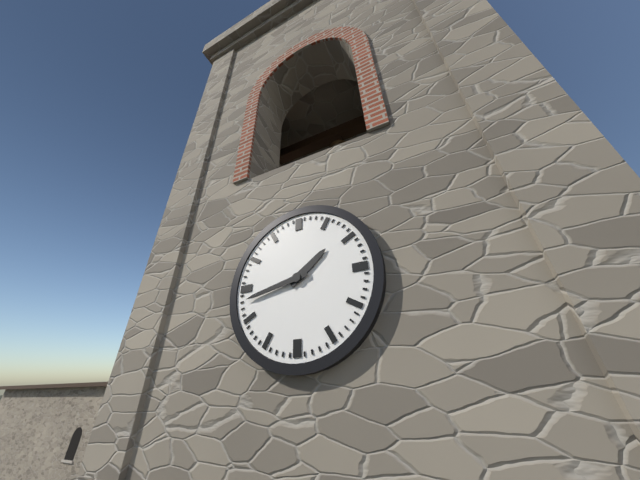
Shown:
1.43
